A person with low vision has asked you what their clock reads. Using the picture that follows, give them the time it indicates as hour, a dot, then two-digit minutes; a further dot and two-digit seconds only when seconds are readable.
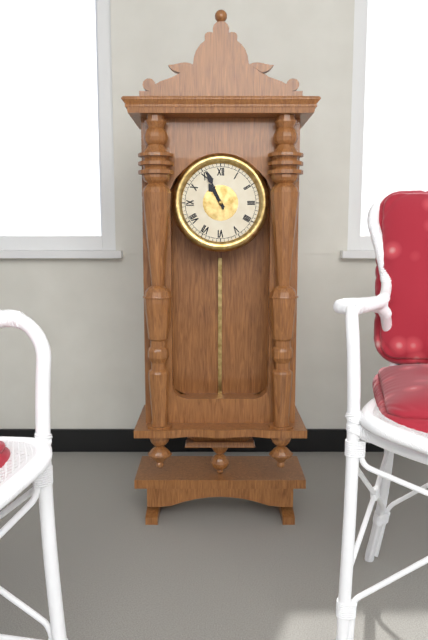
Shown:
10.56
